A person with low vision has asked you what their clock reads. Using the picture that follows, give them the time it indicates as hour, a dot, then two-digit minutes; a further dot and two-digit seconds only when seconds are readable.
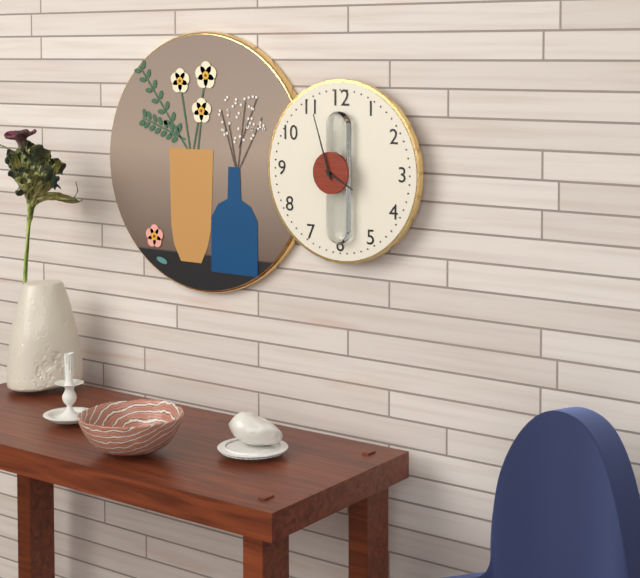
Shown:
3.57
